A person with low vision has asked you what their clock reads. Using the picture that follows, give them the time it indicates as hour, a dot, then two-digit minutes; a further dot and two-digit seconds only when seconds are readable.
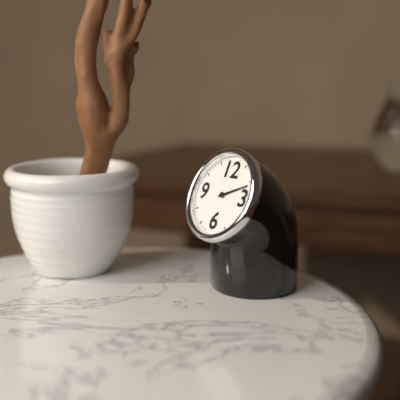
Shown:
2.11
